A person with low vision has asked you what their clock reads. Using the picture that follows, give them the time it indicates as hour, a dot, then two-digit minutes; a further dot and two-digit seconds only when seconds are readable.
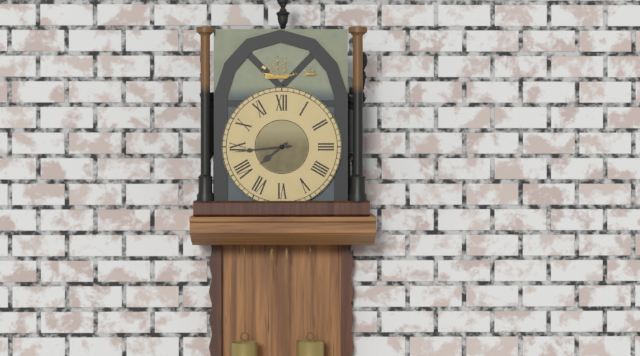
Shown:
7.44
